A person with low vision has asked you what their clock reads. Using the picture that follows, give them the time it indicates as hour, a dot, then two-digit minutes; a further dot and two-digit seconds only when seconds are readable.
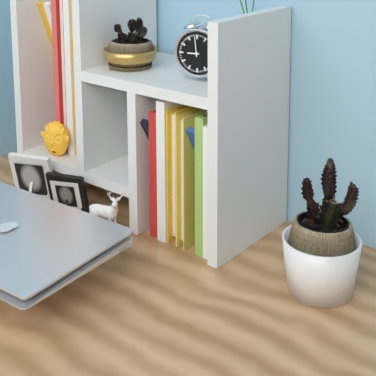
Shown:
8.59
